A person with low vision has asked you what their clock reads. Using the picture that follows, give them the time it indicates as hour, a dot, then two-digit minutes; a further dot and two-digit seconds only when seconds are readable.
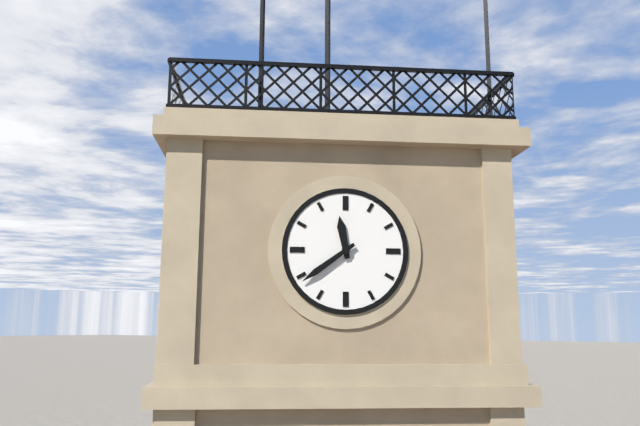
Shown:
11.39
